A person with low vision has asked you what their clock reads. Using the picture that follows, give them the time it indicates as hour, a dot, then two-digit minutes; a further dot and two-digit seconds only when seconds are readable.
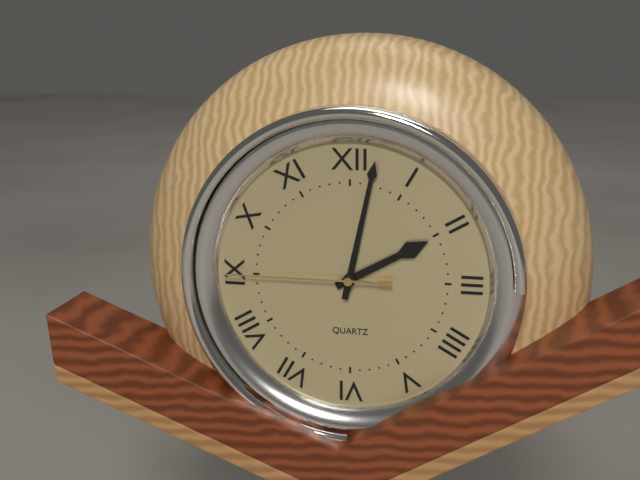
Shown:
2.02.45
